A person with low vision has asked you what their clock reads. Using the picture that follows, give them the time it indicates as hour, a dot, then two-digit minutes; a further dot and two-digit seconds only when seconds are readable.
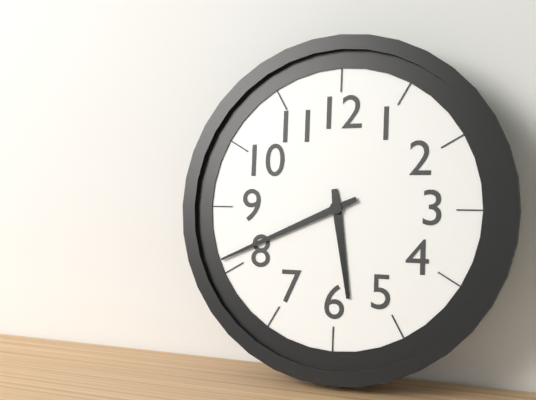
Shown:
5.41
